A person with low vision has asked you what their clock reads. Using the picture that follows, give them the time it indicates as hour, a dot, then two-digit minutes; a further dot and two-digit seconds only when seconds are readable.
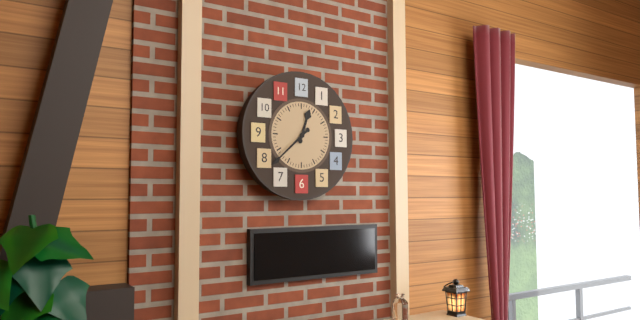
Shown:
12.38
